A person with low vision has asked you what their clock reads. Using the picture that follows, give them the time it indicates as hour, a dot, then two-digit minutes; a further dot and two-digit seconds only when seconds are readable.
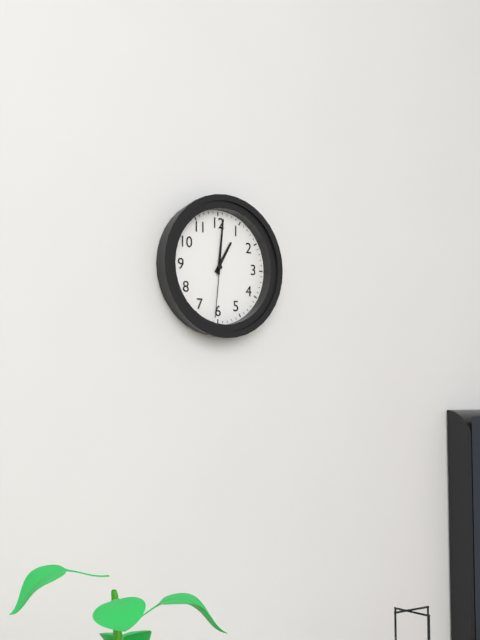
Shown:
1.01.31
